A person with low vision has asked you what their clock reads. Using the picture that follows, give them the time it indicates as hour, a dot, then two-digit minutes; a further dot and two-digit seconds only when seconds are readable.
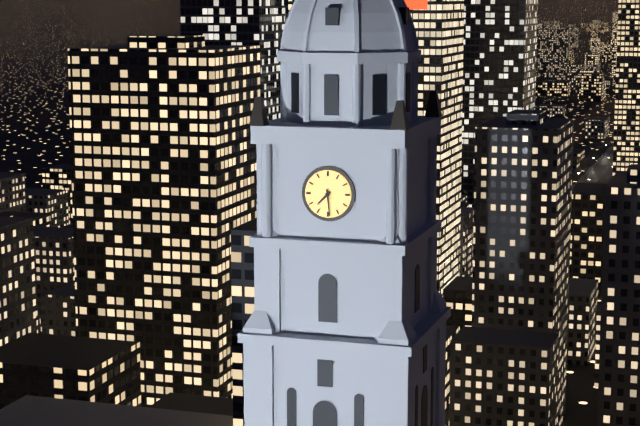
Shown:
7.29
